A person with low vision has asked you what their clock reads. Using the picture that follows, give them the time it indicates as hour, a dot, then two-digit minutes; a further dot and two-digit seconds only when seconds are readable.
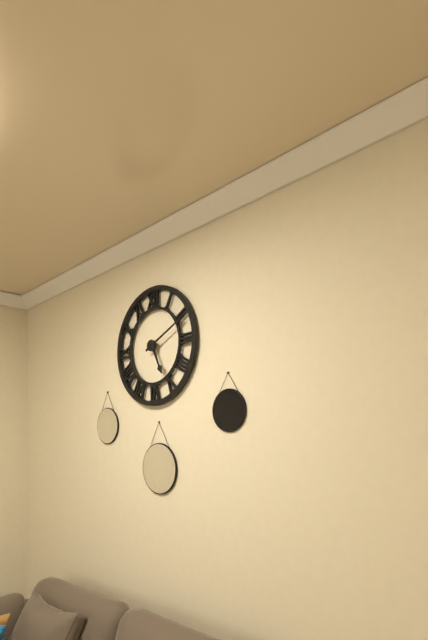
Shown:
5.11
